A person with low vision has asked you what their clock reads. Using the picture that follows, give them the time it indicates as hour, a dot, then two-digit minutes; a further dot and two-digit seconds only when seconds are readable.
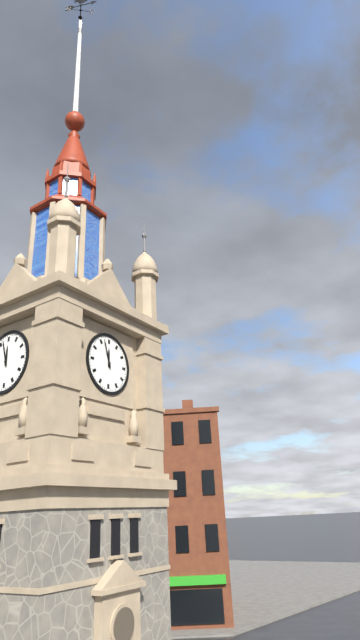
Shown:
11.57
